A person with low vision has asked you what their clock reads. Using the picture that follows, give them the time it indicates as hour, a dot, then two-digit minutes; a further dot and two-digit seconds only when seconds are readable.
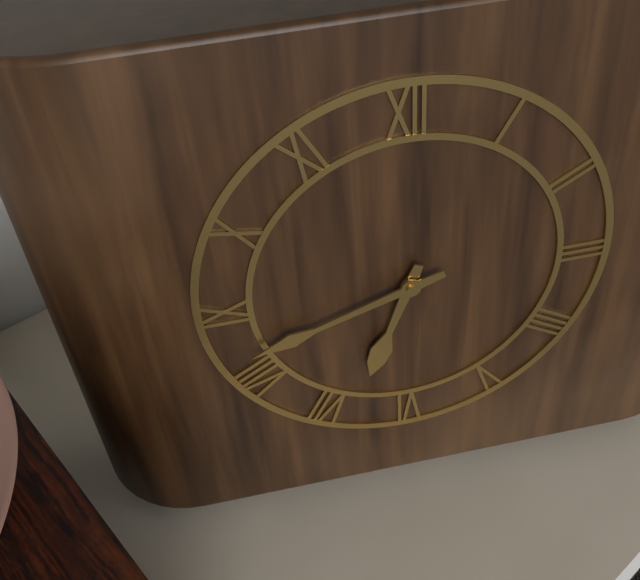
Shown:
6.42
